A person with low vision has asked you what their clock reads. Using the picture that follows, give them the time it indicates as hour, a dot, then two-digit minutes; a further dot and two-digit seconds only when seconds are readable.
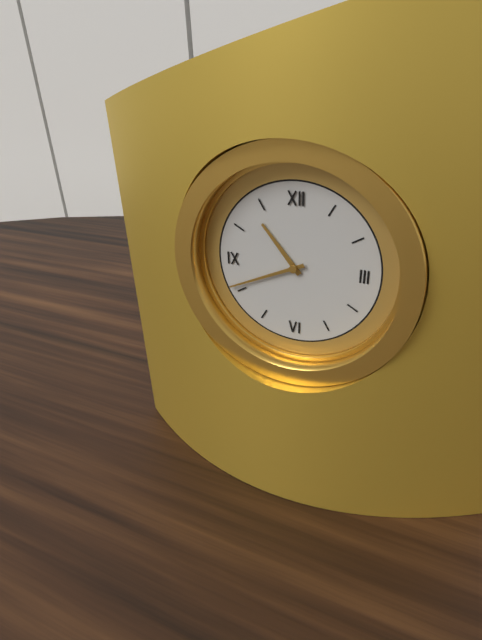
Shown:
10.41
